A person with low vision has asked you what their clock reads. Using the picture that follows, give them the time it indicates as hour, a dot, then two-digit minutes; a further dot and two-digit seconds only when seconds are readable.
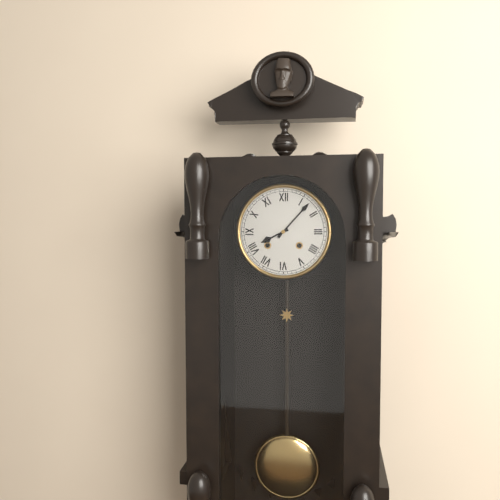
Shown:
8.07
